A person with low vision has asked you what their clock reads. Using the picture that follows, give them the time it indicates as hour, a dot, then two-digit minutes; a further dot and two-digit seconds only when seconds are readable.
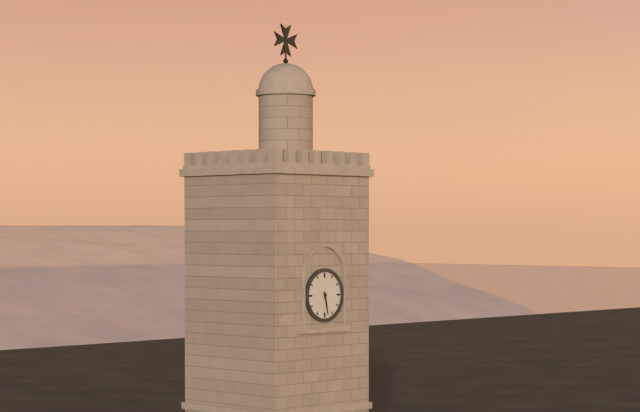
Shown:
5.28
